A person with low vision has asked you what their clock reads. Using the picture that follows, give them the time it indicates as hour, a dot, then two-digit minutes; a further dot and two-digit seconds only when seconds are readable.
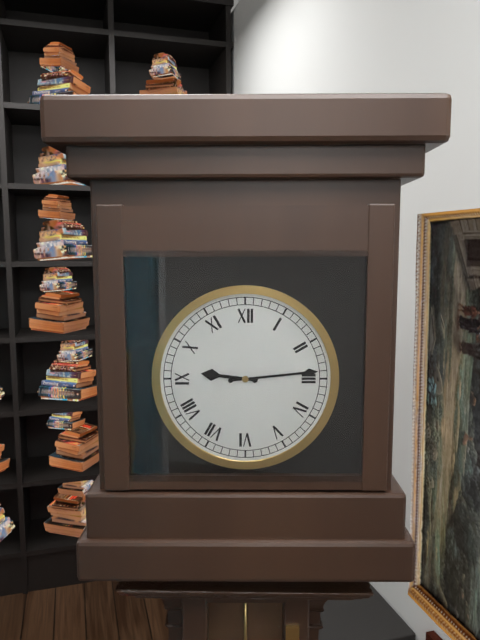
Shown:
9.14
